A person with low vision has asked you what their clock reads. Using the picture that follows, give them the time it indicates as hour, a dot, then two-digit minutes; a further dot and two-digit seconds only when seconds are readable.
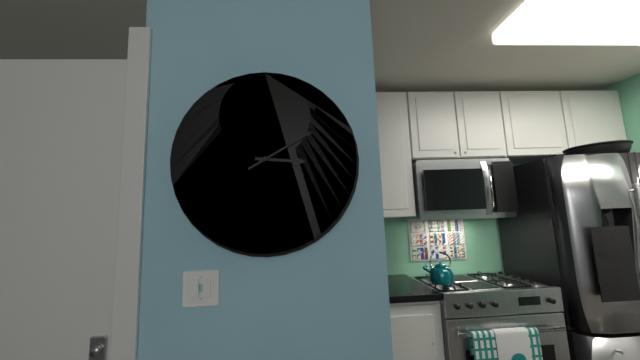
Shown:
3.10
